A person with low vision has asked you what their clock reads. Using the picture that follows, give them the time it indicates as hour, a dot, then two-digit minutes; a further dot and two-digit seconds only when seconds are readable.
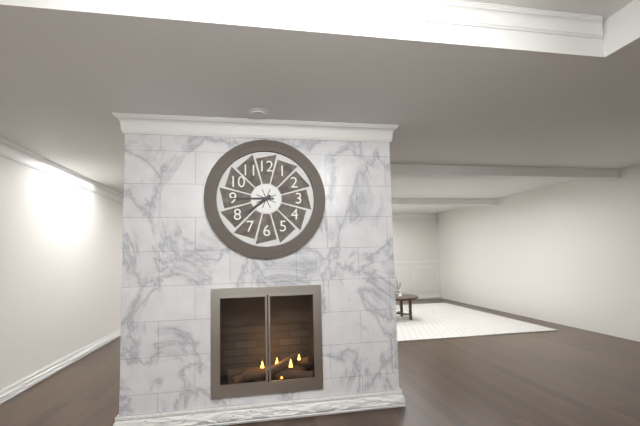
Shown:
7.45
